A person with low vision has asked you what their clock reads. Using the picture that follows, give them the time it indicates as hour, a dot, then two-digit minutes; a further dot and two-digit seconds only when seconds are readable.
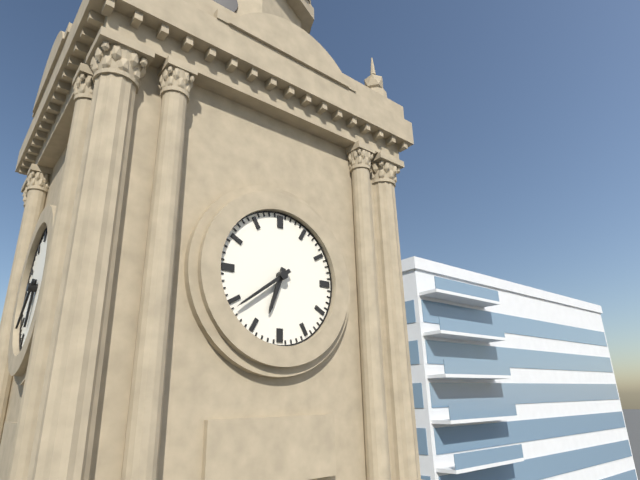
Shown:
6.39
